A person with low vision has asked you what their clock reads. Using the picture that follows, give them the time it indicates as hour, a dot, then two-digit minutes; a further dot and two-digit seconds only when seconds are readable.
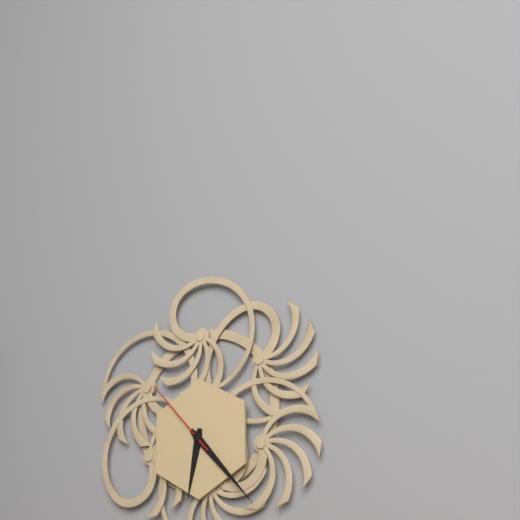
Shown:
6.23.53
